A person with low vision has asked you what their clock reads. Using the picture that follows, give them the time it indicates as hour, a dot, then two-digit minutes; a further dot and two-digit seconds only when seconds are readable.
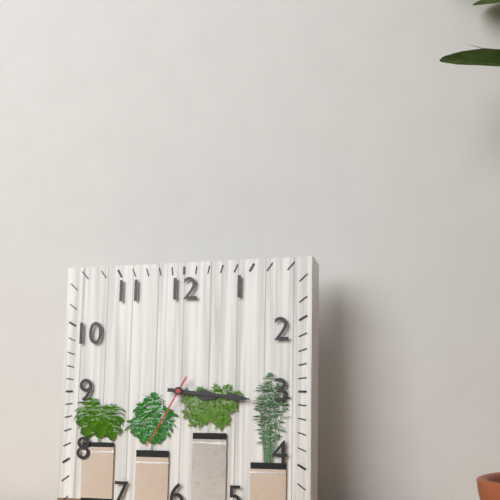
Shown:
3.16.35
